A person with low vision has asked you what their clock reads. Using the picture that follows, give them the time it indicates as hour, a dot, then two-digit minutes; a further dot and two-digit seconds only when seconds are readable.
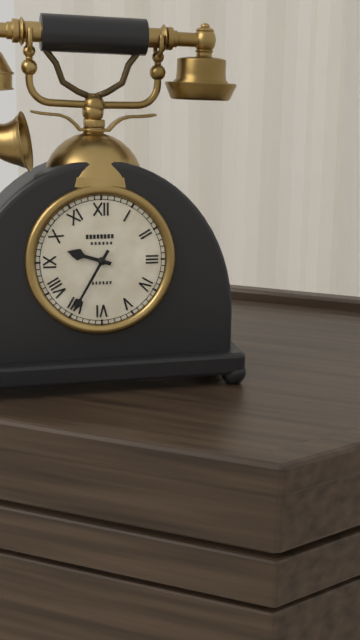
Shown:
9.35
